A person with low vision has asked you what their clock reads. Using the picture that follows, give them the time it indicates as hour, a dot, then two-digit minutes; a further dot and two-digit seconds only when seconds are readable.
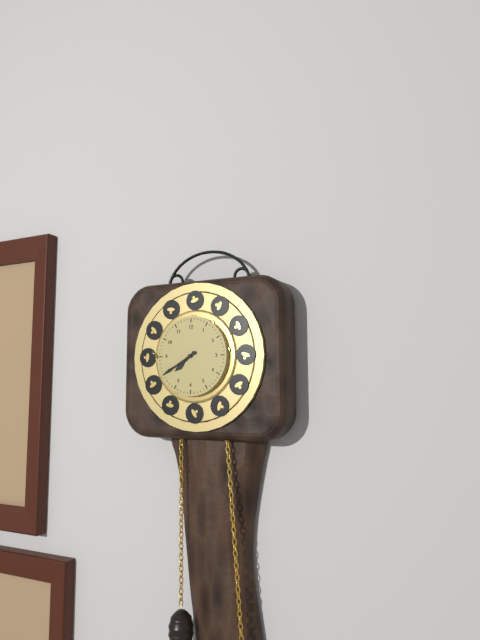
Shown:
7.40
